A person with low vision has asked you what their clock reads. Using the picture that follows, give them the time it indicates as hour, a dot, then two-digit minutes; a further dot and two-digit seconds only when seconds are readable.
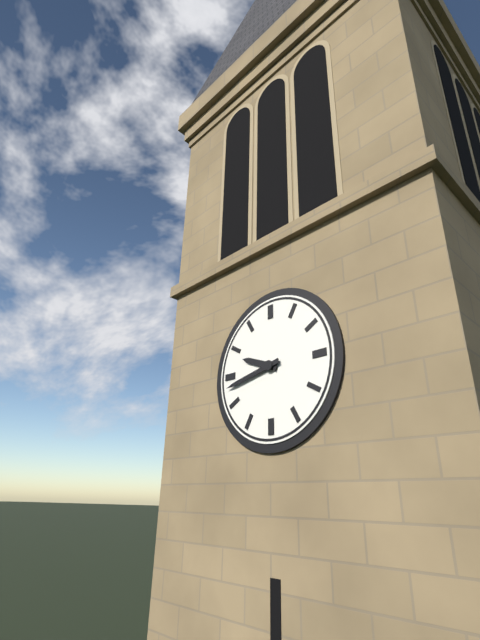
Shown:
9.43
